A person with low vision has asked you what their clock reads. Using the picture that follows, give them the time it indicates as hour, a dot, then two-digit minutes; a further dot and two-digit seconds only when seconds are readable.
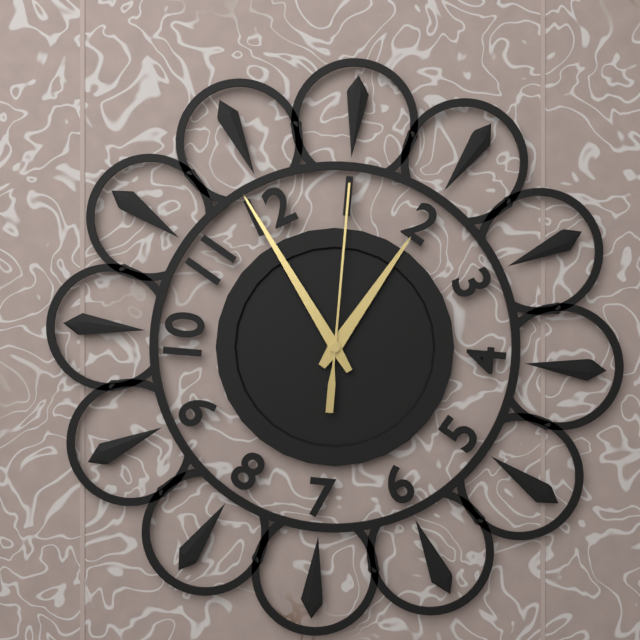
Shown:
1.59.05
